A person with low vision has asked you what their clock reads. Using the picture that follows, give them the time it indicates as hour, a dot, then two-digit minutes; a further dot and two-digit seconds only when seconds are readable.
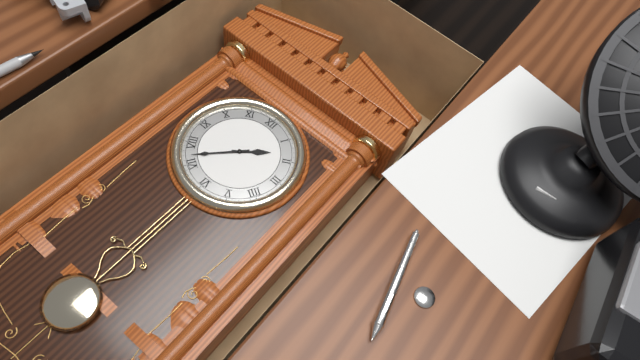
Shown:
1.37
